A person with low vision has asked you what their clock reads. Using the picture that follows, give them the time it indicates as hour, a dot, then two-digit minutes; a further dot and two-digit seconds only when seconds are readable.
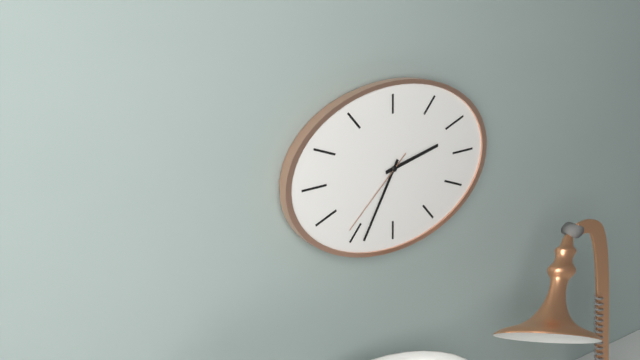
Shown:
2.35.38
